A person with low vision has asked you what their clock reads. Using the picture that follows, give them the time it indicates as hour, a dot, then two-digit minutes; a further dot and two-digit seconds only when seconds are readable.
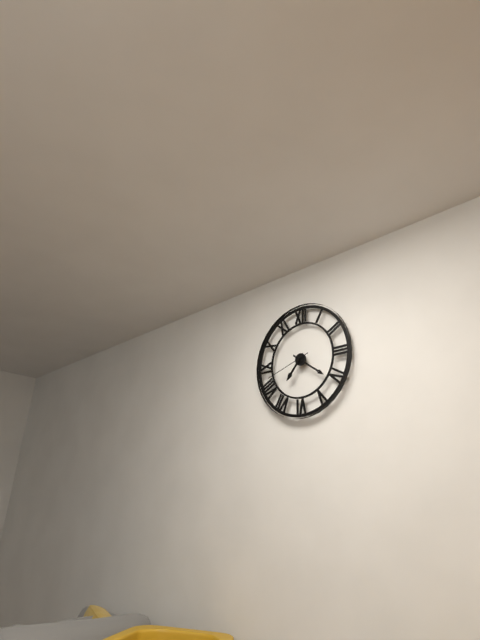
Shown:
7.21
